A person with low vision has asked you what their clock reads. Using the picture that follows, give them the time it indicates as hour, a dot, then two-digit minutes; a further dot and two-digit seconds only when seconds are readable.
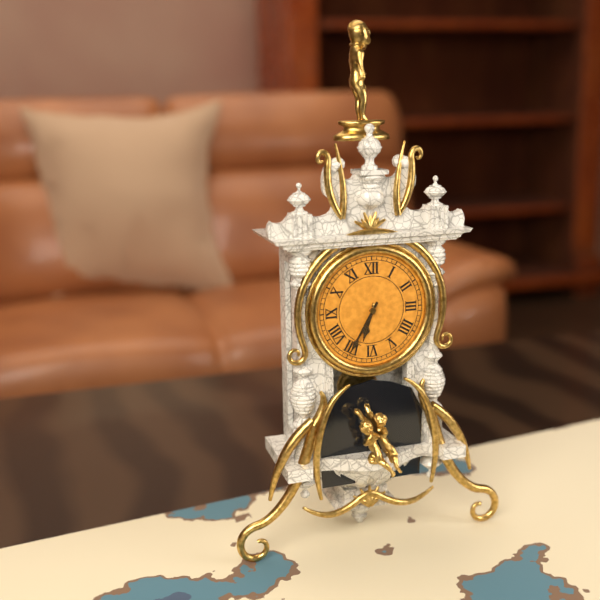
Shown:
6.35
